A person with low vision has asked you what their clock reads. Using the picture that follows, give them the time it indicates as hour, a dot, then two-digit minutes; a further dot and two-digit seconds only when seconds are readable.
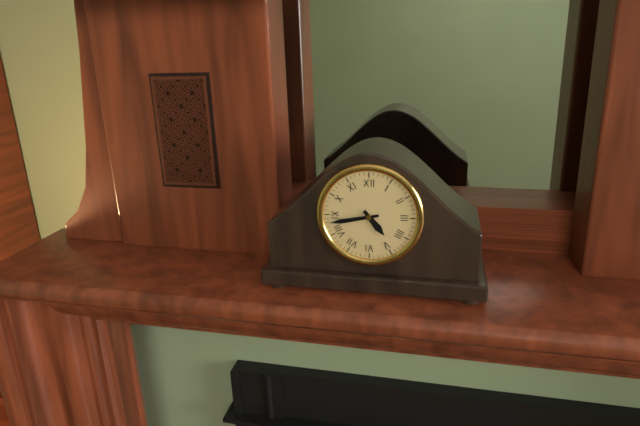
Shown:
4.43
